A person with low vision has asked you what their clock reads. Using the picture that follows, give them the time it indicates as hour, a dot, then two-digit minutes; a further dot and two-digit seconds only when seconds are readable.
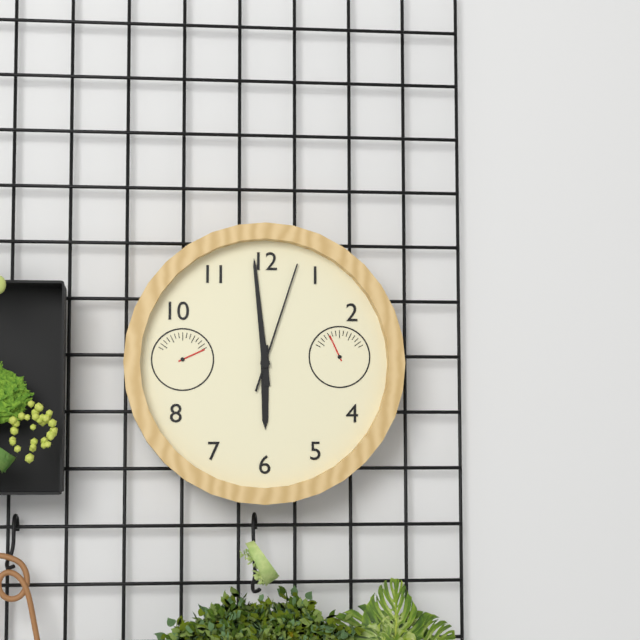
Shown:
5.59.03
